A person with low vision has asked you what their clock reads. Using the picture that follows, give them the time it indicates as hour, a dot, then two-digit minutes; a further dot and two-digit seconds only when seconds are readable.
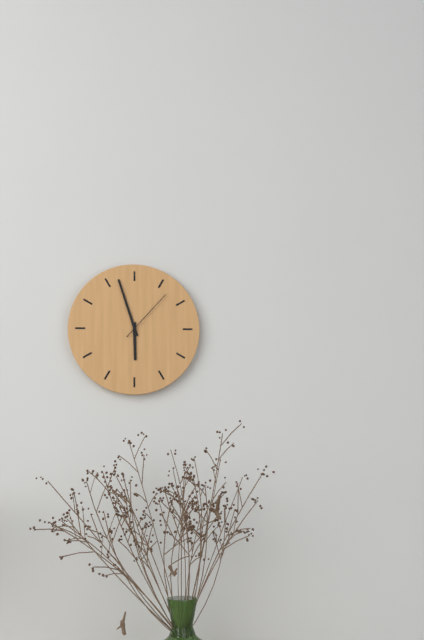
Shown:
5.57.07
